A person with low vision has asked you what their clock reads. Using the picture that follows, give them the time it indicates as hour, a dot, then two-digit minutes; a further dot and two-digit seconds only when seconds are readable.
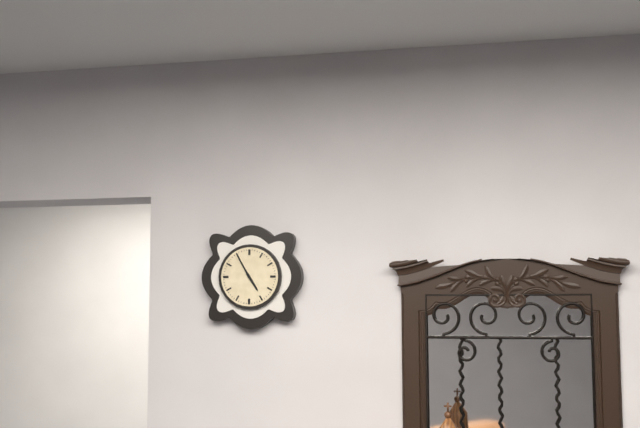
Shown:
4.55
